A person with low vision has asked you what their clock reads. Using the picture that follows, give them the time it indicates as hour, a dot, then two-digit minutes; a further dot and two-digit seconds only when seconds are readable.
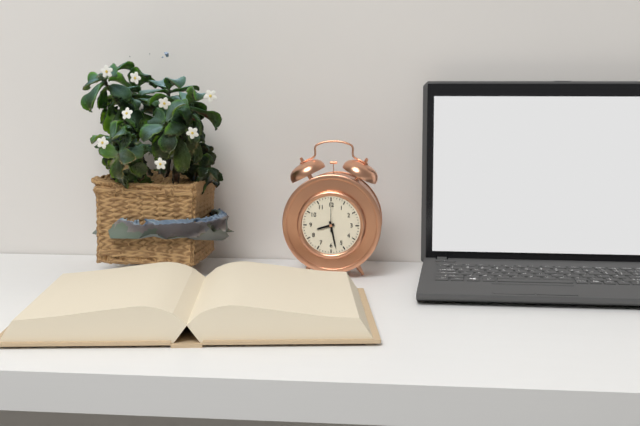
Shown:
8.28
